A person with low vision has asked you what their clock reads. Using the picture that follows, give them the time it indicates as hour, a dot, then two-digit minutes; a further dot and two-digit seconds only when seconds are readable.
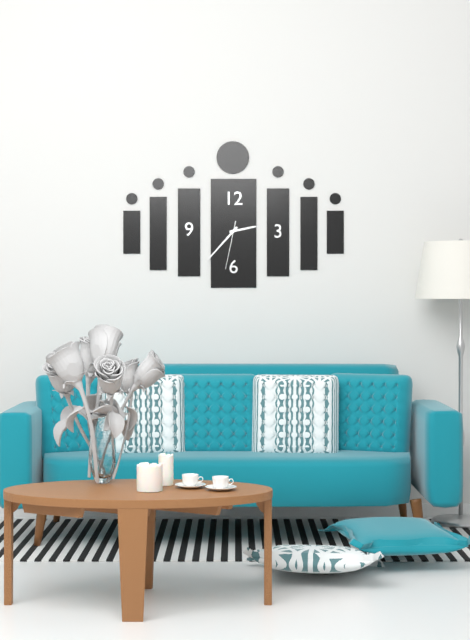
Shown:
2.37
